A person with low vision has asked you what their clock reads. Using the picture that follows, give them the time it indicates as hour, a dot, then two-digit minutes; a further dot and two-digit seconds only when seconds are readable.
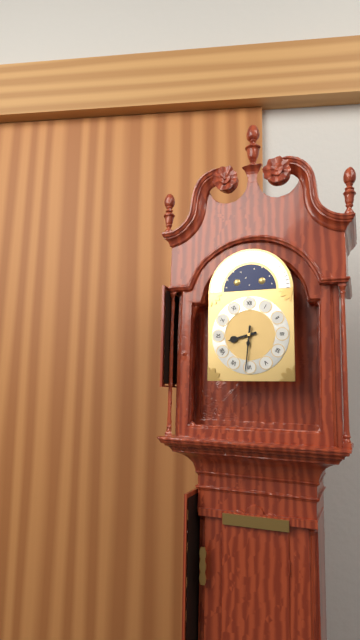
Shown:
8.31
